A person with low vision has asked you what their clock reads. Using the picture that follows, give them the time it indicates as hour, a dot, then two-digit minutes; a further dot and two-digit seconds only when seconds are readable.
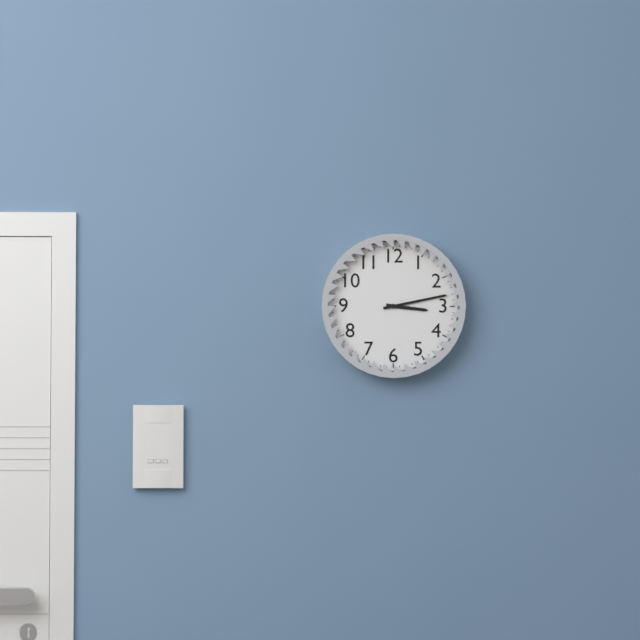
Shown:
3.13
